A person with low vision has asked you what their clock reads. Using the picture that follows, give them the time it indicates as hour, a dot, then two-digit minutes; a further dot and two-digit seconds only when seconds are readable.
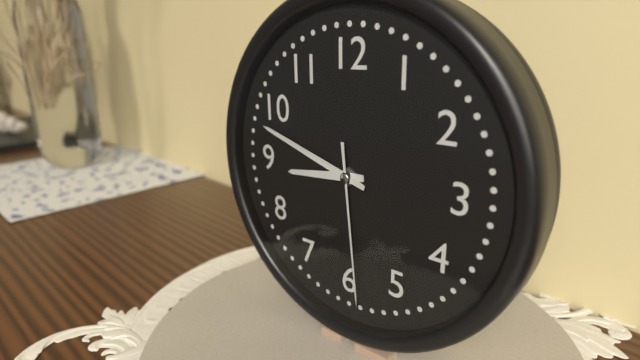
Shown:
8.48.29
